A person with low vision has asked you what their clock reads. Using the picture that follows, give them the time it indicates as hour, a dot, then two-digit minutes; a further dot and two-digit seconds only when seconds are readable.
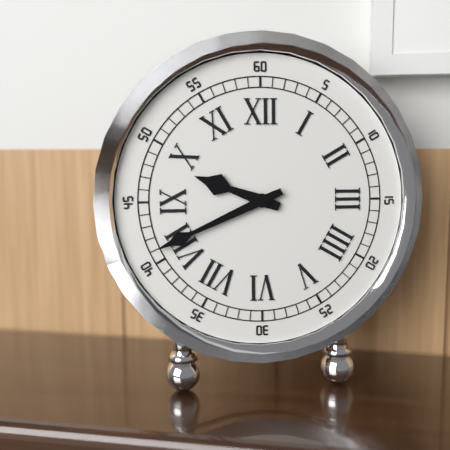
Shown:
9.41
